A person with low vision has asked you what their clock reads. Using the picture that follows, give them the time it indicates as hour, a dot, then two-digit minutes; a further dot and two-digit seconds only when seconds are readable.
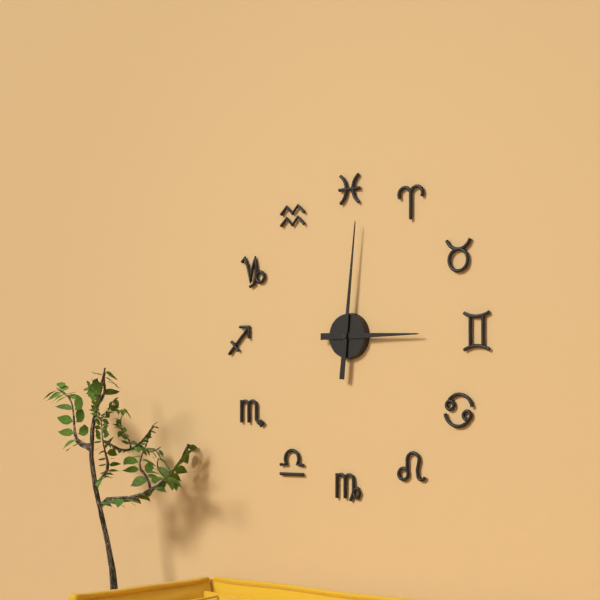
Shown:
3.01
